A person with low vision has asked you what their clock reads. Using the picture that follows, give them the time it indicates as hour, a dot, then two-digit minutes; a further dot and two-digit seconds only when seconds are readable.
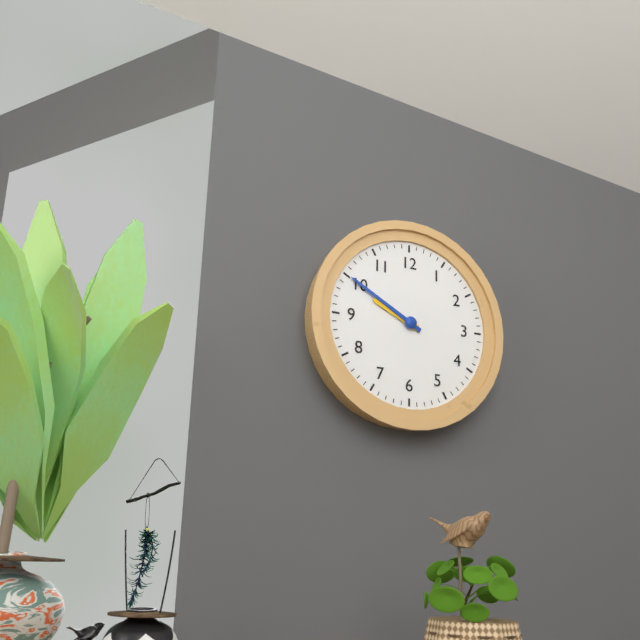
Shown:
9.50
